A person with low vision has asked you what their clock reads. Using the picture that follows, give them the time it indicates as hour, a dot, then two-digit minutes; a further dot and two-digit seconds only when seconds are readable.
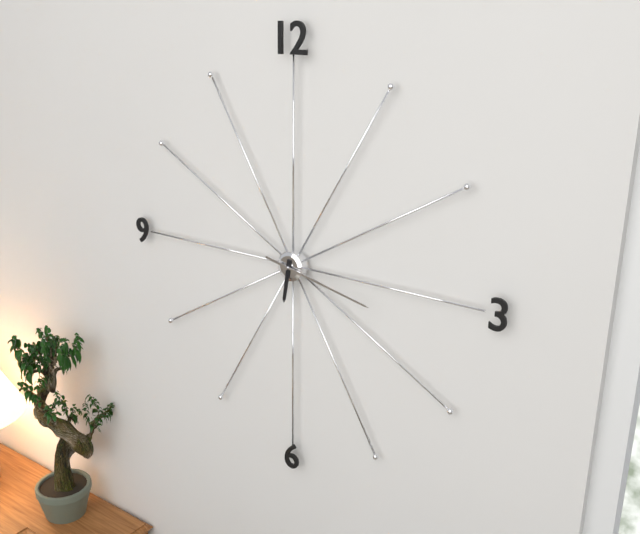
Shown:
6.17
